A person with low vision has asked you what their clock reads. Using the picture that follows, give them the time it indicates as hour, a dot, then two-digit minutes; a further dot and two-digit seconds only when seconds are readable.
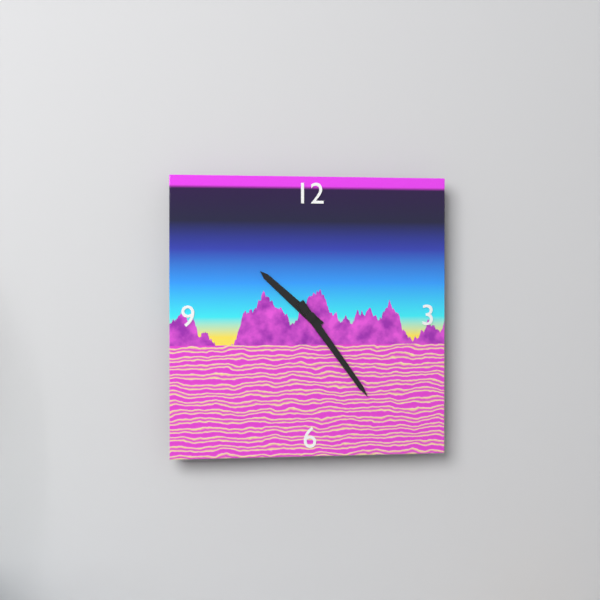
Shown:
10.24
